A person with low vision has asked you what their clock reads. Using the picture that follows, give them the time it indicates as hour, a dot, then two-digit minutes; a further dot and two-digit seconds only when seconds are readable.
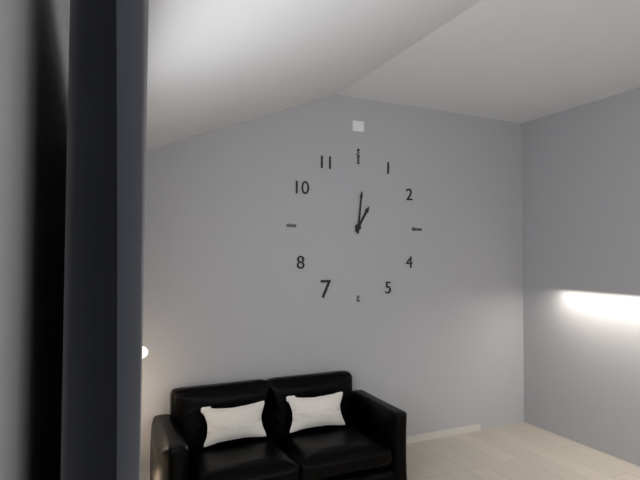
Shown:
1.01
